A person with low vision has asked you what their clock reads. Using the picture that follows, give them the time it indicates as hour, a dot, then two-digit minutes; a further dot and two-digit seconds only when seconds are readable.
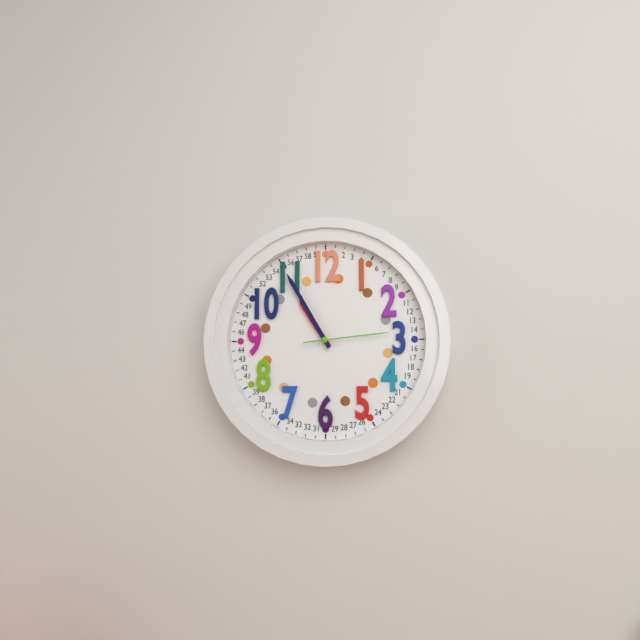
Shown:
10.55.14
